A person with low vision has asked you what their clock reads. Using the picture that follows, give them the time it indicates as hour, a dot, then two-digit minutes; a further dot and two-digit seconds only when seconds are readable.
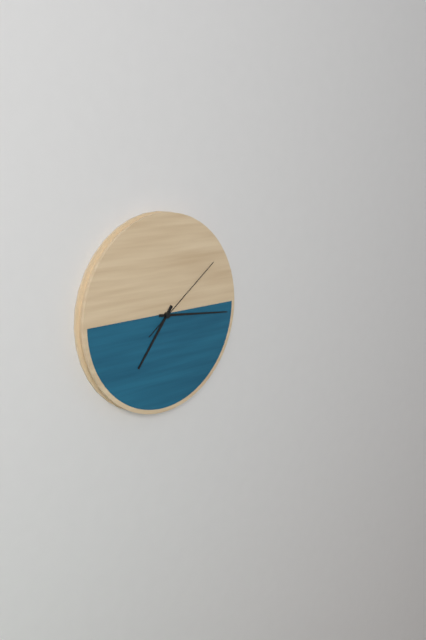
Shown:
7.16.09
